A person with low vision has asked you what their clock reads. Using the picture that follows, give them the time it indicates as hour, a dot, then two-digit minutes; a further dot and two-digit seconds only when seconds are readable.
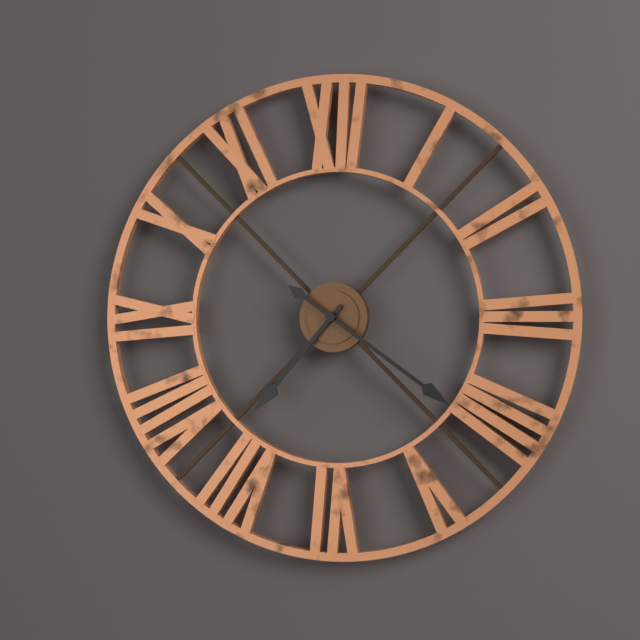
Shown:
7.21
